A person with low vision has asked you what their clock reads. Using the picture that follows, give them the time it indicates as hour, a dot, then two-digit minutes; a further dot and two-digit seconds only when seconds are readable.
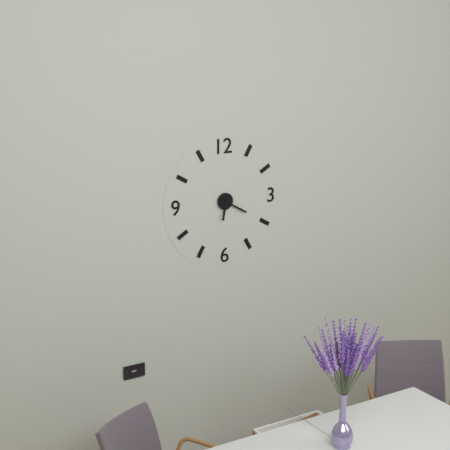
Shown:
6.20
